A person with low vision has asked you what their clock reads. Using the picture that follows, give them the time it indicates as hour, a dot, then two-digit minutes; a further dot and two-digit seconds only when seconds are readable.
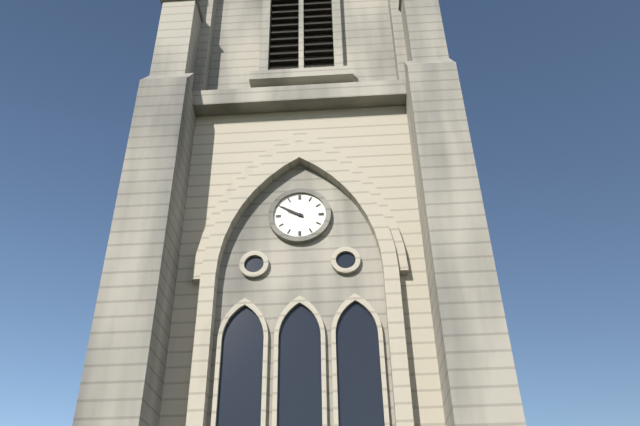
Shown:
9.50
